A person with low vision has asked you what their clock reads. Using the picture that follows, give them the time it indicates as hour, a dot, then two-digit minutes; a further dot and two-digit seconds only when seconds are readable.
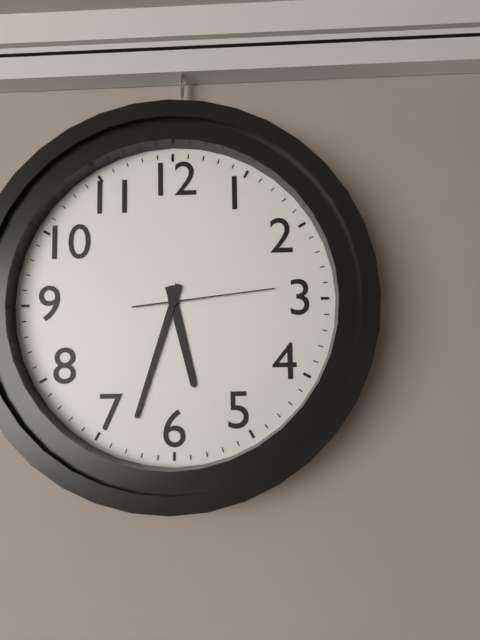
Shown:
5.33.14
